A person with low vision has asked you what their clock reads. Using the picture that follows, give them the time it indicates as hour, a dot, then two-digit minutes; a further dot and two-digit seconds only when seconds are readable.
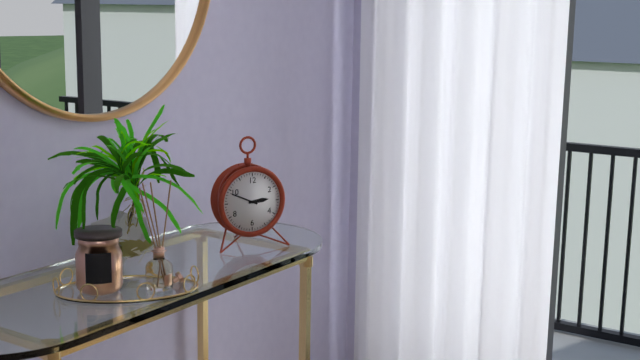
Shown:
2.49
